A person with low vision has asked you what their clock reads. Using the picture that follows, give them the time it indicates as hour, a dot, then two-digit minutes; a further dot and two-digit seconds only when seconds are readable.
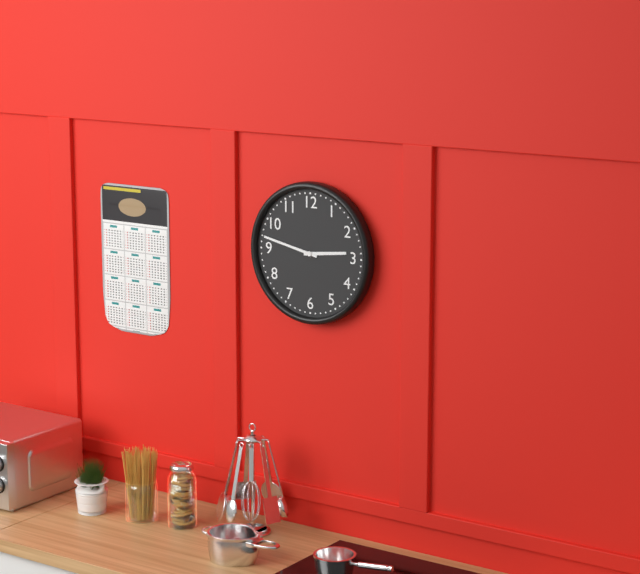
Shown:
2.47
